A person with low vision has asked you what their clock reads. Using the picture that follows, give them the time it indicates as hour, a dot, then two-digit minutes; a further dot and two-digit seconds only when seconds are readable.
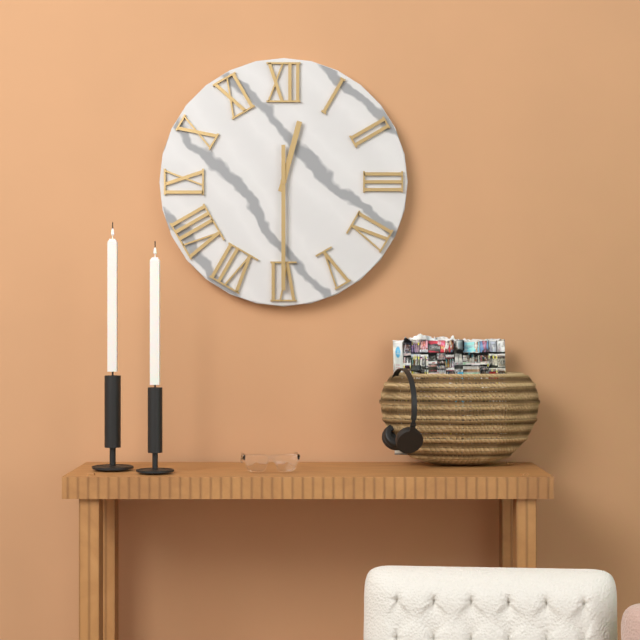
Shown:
12.30
